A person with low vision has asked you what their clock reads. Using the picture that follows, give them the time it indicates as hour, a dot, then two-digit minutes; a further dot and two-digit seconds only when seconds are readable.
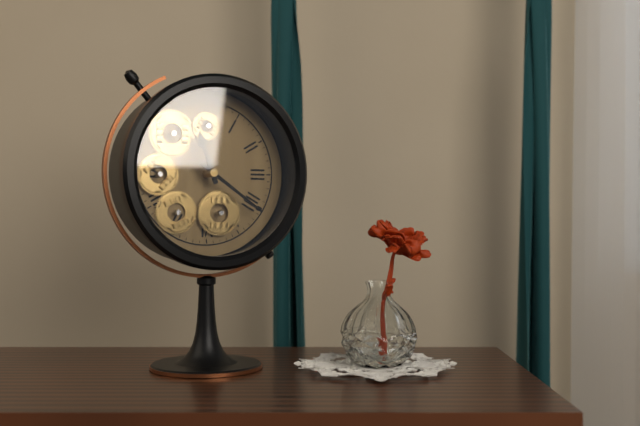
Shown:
11.21
